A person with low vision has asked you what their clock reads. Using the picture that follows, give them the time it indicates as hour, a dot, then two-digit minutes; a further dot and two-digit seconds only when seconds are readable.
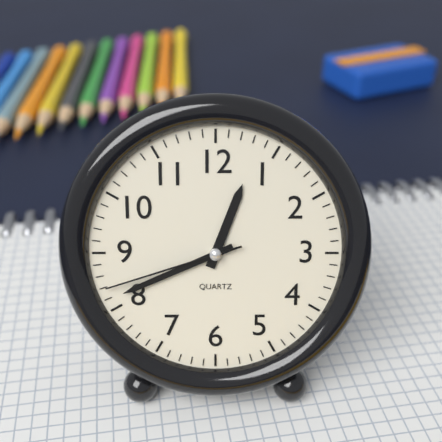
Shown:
12.41.42
